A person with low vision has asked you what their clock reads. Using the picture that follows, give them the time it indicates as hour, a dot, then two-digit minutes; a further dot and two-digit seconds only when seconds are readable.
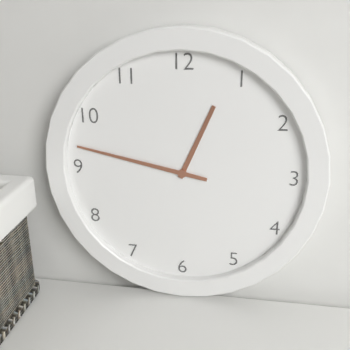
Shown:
12.47
